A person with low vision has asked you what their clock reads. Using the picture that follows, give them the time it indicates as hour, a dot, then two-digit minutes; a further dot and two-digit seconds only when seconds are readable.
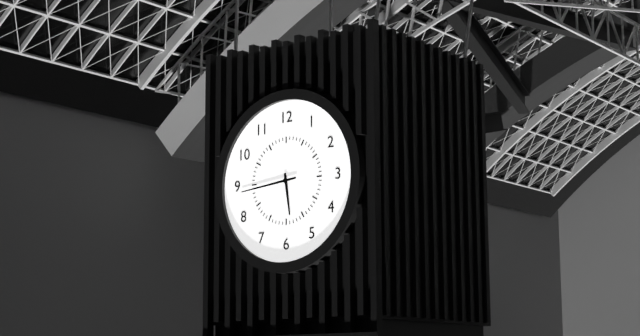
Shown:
5.44
